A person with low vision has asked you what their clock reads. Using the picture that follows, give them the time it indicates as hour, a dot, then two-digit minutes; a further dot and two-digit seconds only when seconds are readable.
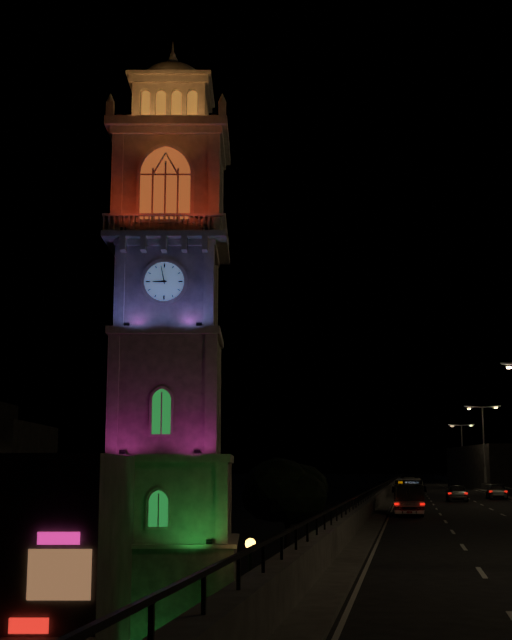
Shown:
8.58
